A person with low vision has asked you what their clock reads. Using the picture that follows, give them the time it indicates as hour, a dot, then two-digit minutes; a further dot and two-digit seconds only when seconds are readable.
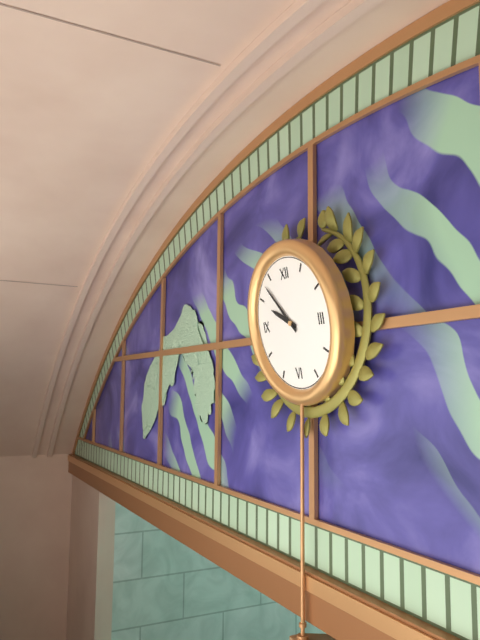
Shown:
9.53
